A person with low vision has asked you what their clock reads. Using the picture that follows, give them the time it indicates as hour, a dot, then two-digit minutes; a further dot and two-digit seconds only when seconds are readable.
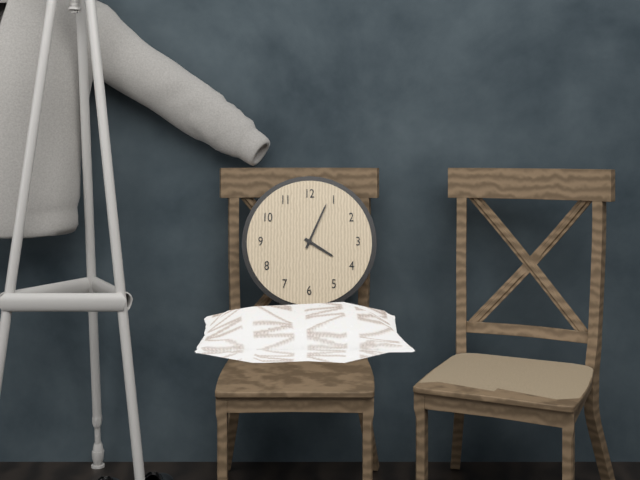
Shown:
4.04
